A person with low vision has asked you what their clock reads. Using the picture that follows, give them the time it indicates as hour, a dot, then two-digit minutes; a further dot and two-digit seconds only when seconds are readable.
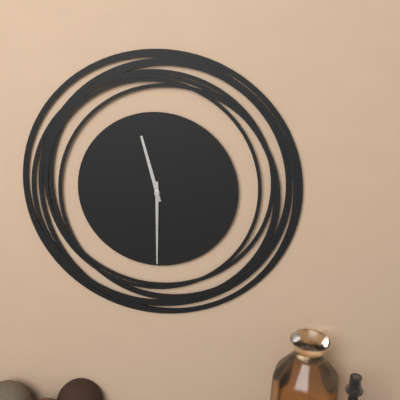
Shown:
11.30
